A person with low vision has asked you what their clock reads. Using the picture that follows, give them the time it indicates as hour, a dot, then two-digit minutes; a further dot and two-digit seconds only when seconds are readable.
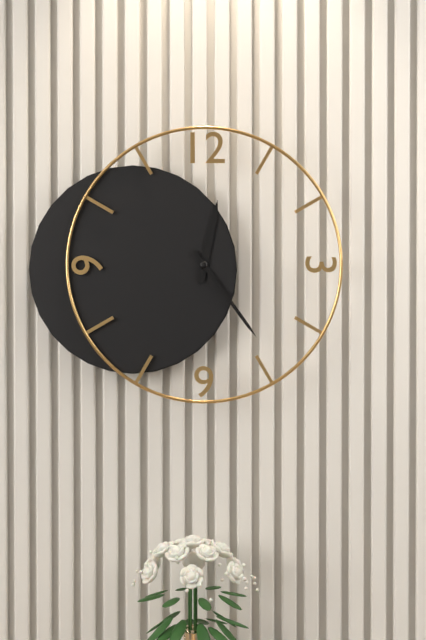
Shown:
12.24
